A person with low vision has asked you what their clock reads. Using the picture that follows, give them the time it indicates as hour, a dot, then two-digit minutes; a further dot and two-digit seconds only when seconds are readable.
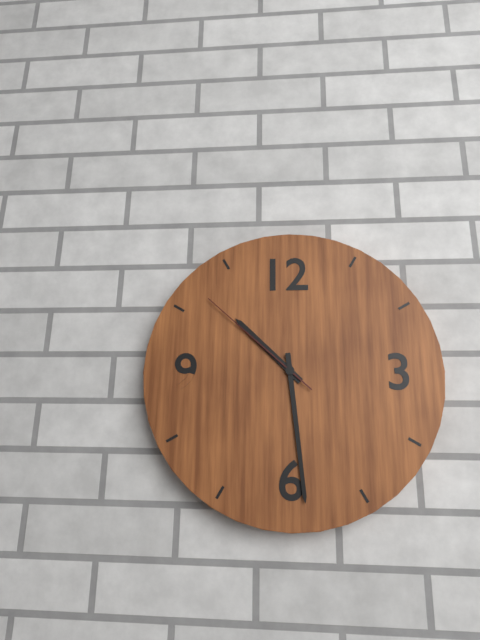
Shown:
10.29.52
